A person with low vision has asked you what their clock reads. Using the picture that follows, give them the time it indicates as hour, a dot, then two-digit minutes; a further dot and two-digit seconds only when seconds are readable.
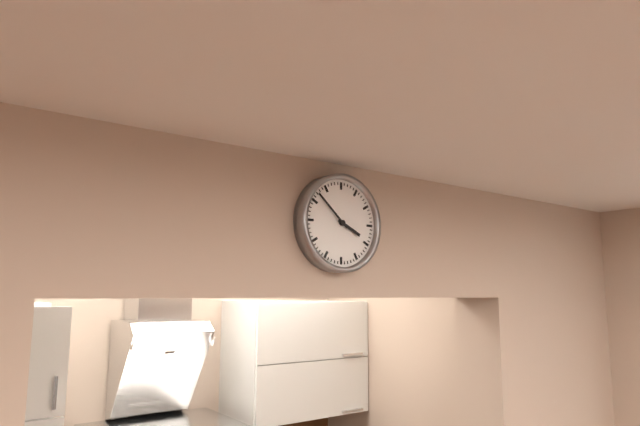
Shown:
3.52
